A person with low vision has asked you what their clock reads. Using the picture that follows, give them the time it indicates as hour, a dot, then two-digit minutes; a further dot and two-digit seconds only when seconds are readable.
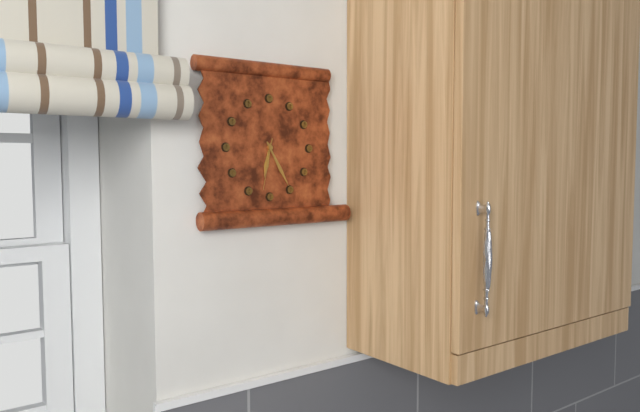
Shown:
6.25.32
